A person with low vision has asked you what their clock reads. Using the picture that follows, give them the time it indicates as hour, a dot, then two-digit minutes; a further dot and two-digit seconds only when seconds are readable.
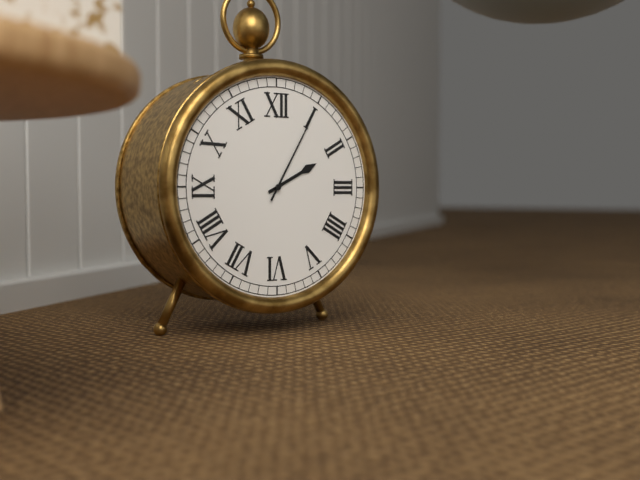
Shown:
2.05
